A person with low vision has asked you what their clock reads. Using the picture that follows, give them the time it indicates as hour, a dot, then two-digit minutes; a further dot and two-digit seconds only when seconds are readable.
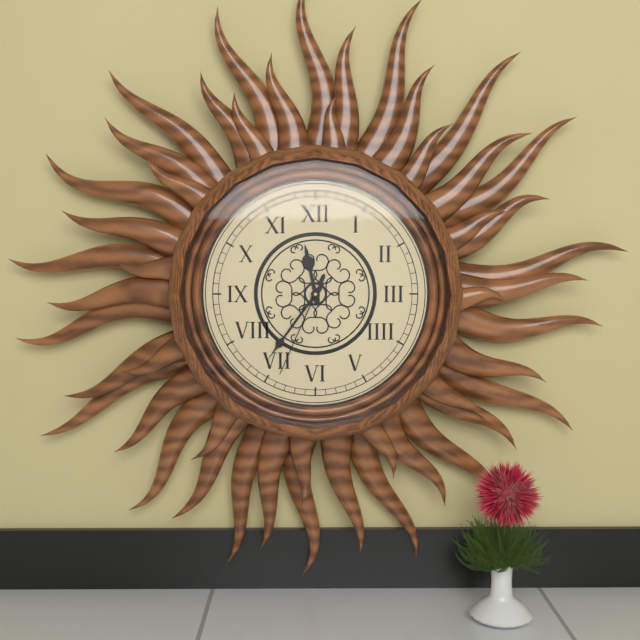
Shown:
11.36.34
